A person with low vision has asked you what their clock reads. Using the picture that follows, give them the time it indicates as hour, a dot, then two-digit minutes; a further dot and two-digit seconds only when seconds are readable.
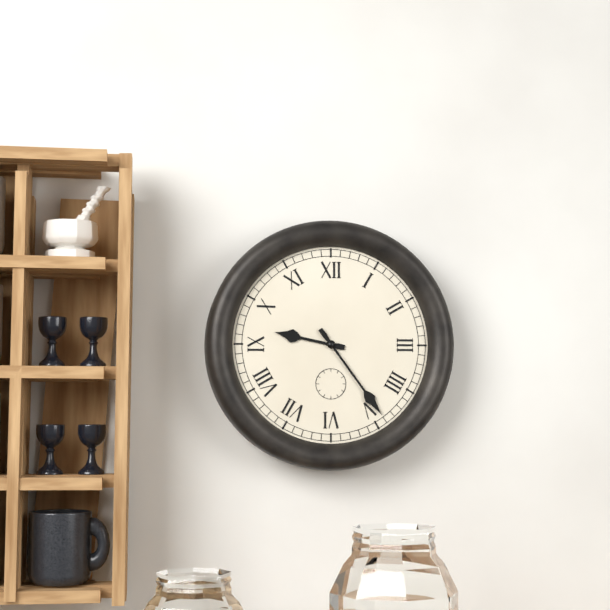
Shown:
9.24
